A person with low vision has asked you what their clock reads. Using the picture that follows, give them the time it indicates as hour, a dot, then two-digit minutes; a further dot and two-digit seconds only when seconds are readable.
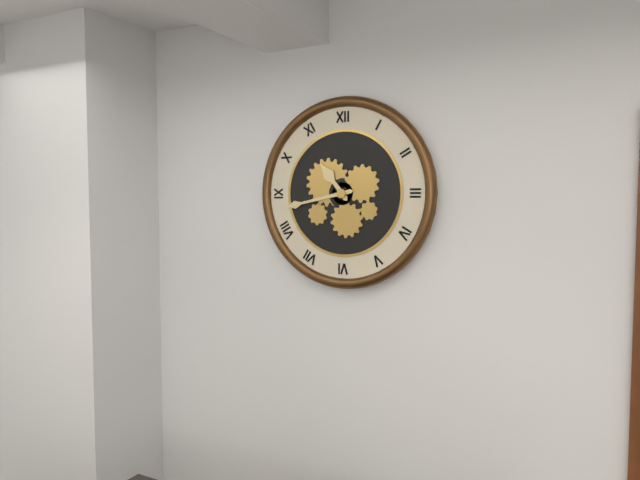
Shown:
10.43
